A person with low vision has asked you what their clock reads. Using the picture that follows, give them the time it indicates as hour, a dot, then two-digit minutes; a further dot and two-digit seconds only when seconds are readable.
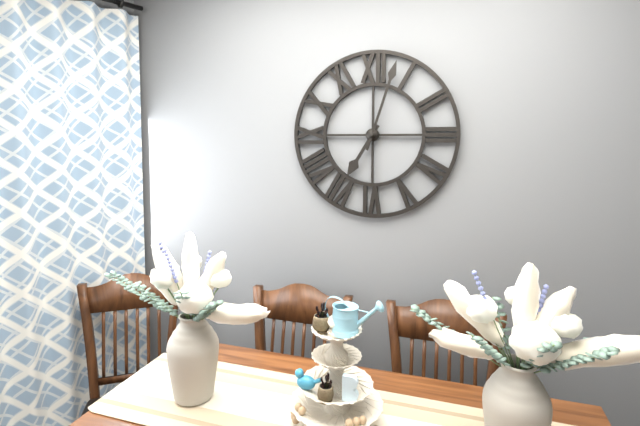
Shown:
7.03
